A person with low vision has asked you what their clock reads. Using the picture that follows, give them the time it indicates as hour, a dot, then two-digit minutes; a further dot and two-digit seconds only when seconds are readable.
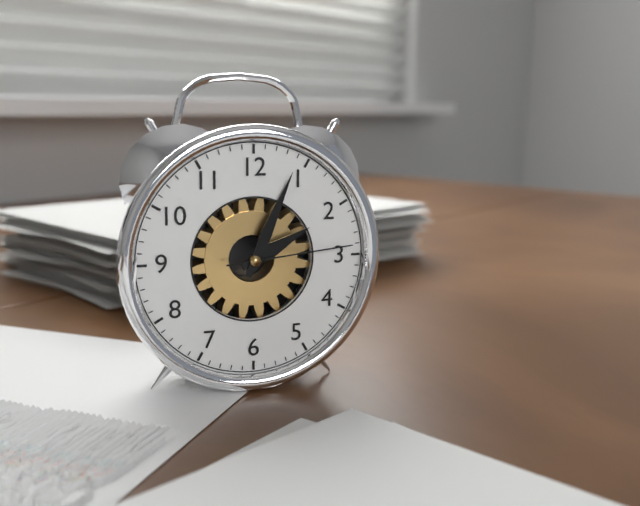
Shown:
2.04.14
